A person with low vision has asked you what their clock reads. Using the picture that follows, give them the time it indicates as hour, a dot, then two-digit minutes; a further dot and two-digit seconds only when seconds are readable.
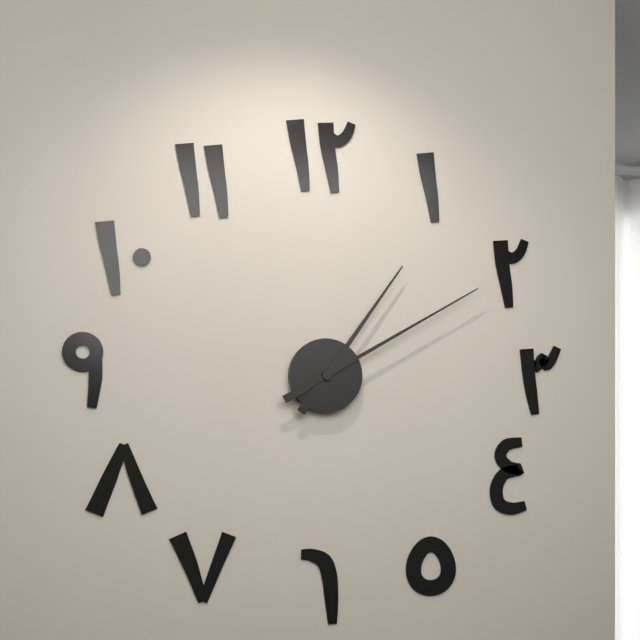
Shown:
1.10
